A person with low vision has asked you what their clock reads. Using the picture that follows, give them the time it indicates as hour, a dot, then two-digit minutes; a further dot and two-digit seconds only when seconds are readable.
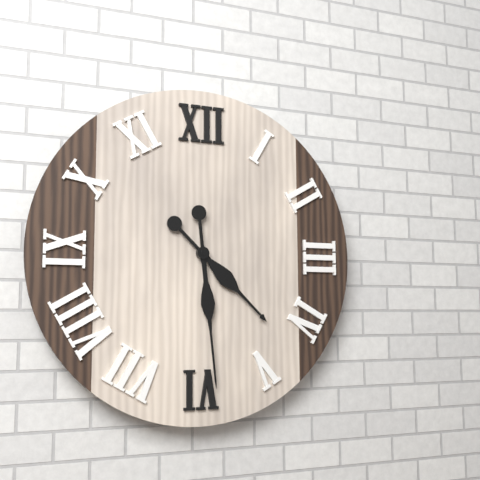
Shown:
4.29
